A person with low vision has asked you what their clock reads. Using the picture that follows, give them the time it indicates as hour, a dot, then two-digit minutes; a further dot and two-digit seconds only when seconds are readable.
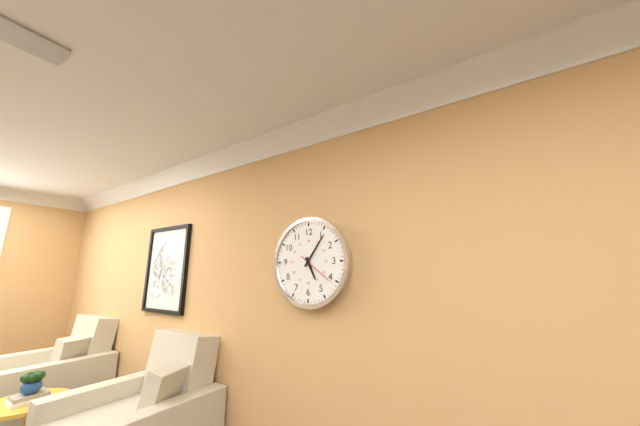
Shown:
5.06
